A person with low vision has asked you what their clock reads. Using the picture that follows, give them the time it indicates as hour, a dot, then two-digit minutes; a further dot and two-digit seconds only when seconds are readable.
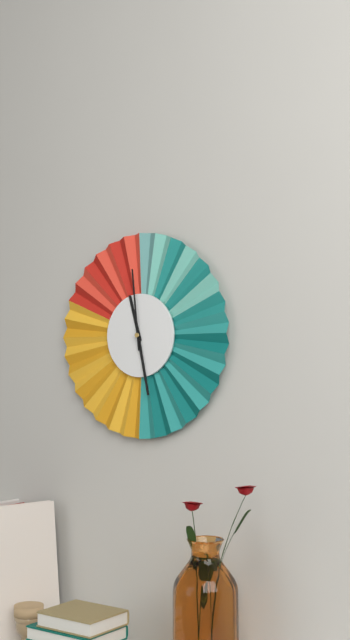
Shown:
11.28.59
